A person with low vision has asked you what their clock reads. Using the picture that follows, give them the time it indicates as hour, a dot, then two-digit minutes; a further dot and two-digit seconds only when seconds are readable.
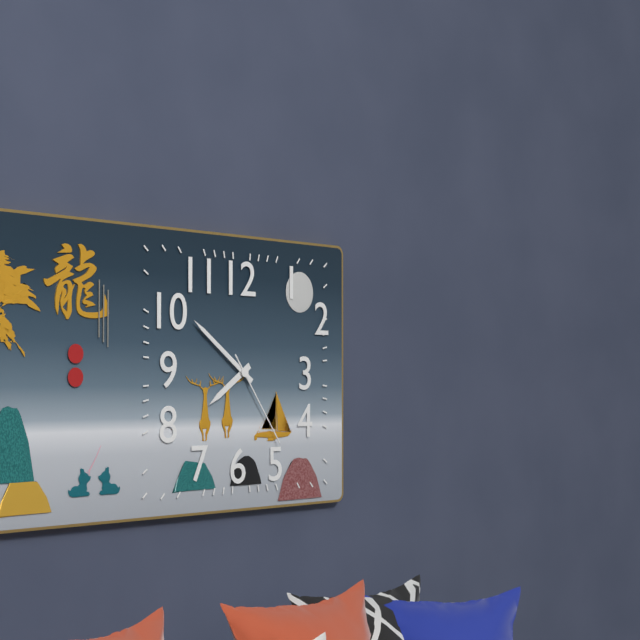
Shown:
7.51.24
